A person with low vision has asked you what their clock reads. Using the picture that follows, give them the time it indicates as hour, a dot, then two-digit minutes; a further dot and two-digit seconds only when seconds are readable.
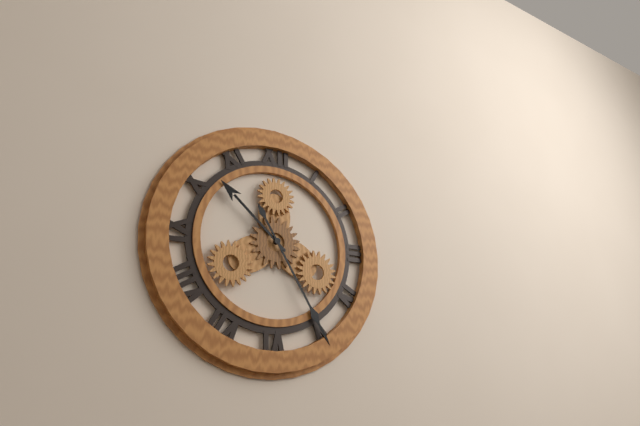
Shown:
10.25
